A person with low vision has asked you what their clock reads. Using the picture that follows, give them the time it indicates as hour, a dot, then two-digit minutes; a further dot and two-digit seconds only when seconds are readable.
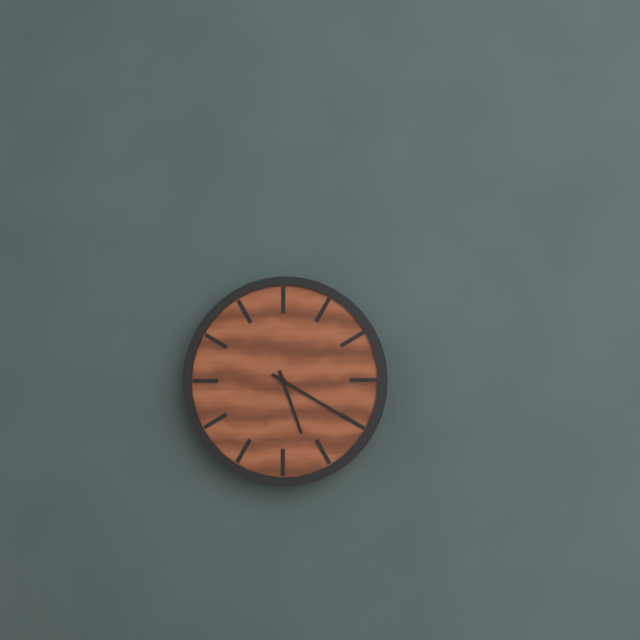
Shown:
5.20
